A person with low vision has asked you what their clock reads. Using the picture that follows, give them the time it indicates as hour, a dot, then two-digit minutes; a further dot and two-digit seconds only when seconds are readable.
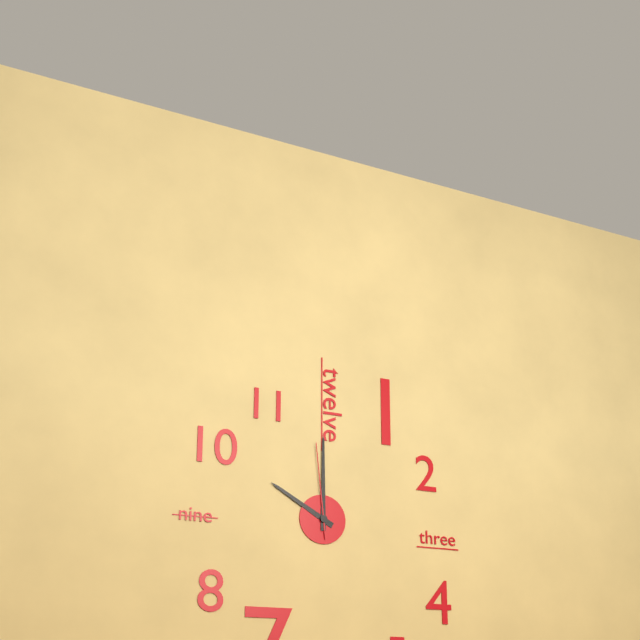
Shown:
10.00.59
